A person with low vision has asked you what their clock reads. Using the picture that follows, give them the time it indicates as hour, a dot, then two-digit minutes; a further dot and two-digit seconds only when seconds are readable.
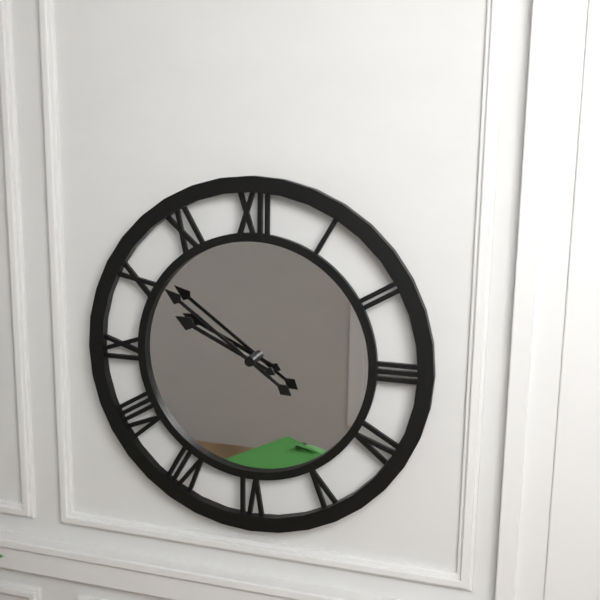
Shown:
9.51
